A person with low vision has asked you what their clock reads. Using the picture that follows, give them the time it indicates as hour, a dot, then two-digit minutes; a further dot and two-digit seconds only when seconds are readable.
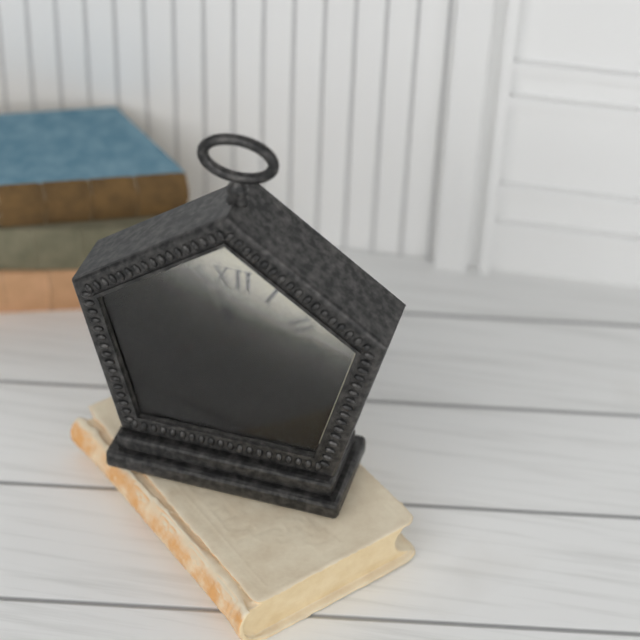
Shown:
5.58.41
